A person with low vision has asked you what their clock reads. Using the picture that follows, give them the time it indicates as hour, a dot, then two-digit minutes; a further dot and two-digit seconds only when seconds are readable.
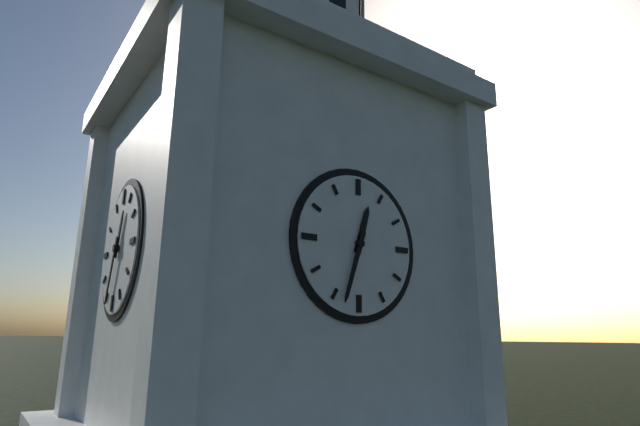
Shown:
12.33
